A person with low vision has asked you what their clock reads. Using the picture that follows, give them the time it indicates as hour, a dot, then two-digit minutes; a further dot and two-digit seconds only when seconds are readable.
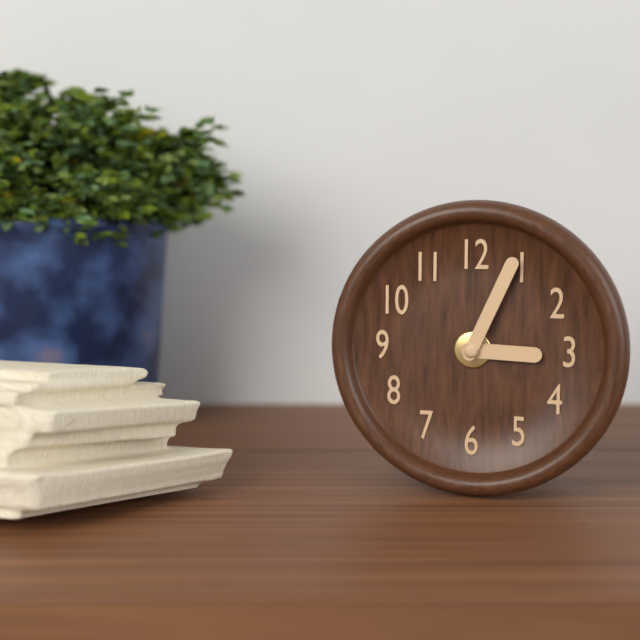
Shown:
3.04
